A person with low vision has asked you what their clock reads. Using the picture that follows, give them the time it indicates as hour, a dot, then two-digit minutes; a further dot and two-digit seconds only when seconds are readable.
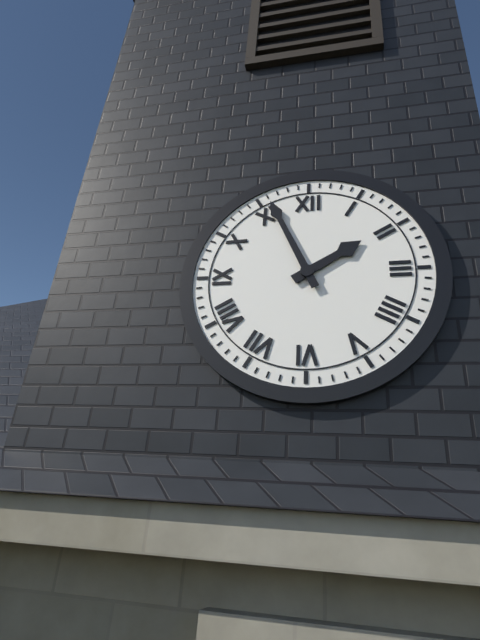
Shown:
1.56
